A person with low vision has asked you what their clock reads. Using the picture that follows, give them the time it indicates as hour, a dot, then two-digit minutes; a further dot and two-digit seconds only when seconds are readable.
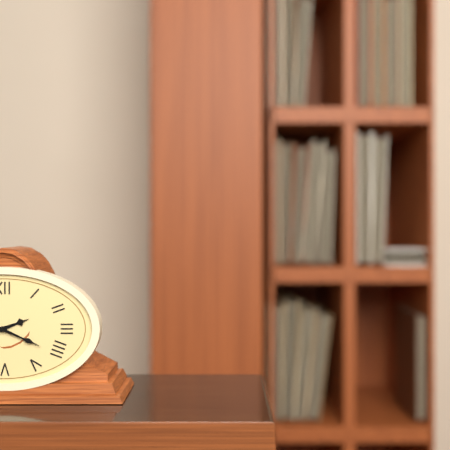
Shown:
2.19
